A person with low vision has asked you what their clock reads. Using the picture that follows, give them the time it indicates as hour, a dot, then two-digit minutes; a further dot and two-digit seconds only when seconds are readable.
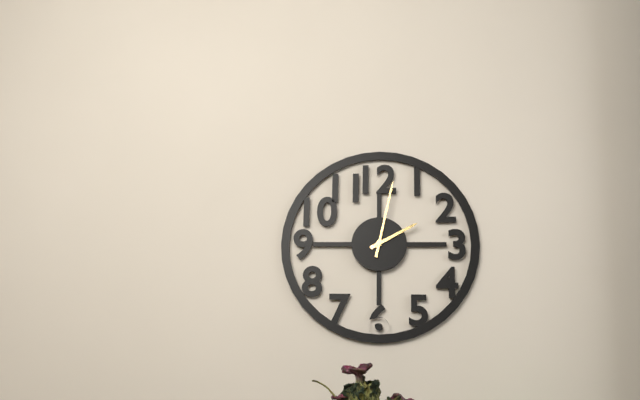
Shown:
2.02
